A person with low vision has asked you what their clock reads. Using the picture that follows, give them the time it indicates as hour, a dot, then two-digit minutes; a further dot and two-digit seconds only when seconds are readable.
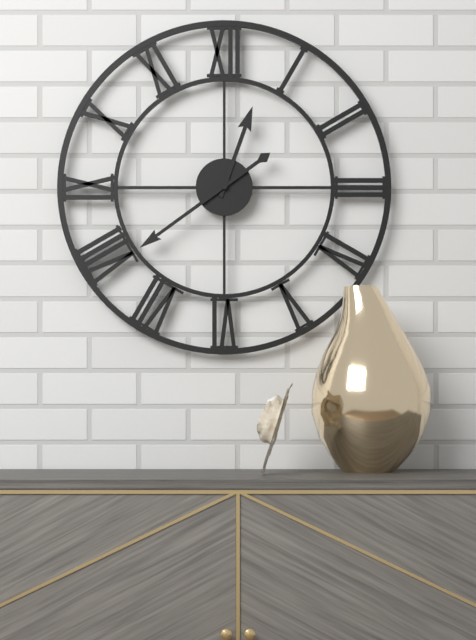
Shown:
12.39
